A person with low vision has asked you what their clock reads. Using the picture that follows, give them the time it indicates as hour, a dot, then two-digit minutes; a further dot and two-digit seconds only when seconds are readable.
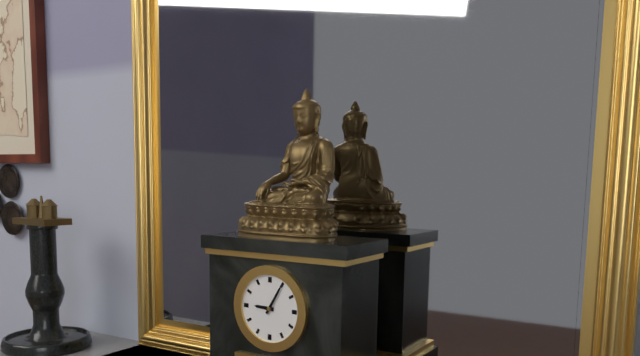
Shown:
9.05
